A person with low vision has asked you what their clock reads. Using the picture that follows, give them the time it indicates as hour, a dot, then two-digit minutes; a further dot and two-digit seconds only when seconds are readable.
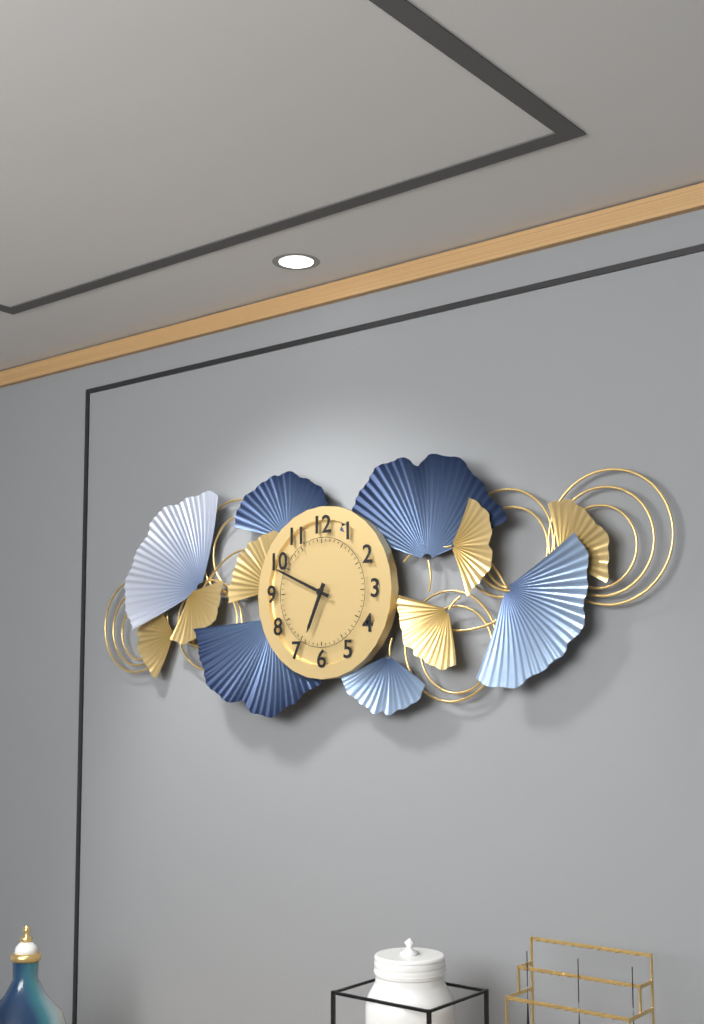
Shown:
6.49
